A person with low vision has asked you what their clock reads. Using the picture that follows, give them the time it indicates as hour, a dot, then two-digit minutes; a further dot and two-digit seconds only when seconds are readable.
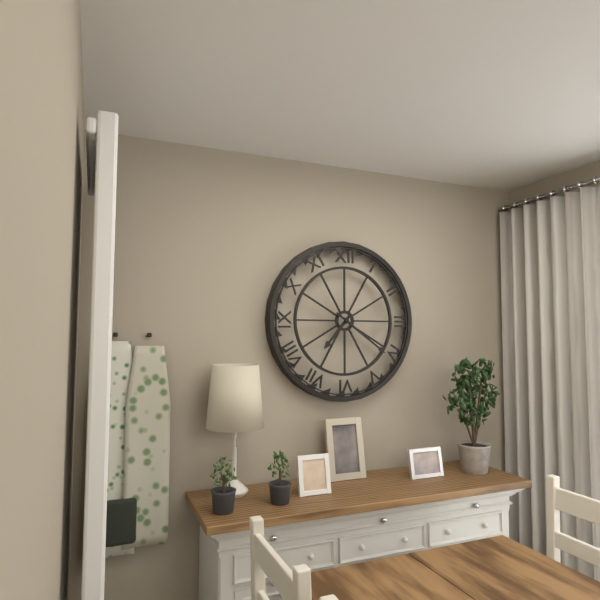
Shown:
7.21
